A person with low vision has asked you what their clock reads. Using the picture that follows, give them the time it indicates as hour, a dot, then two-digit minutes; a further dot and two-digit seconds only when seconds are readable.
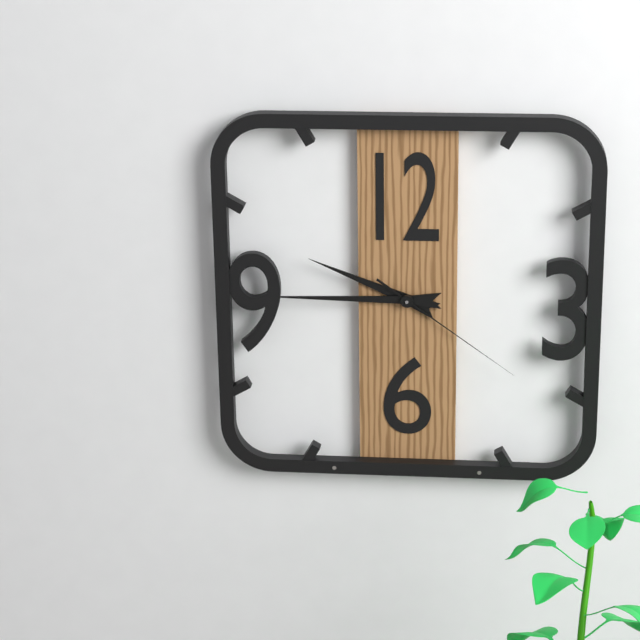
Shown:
9.45.21
